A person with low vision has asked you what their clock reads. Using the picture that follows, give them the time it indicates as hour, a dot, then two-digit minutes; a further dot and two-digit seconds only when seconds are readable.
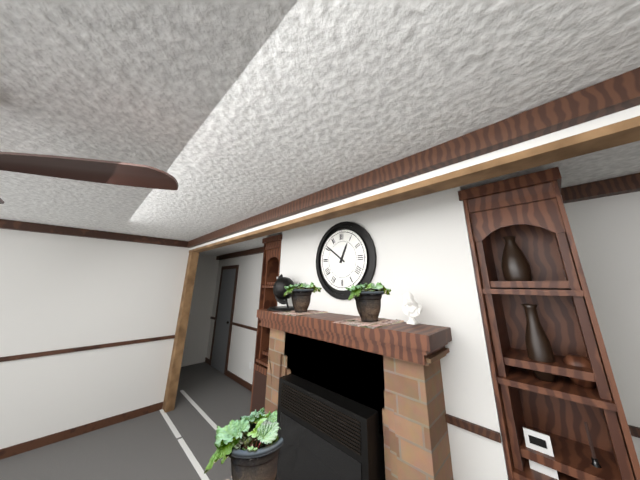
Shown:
12.51
